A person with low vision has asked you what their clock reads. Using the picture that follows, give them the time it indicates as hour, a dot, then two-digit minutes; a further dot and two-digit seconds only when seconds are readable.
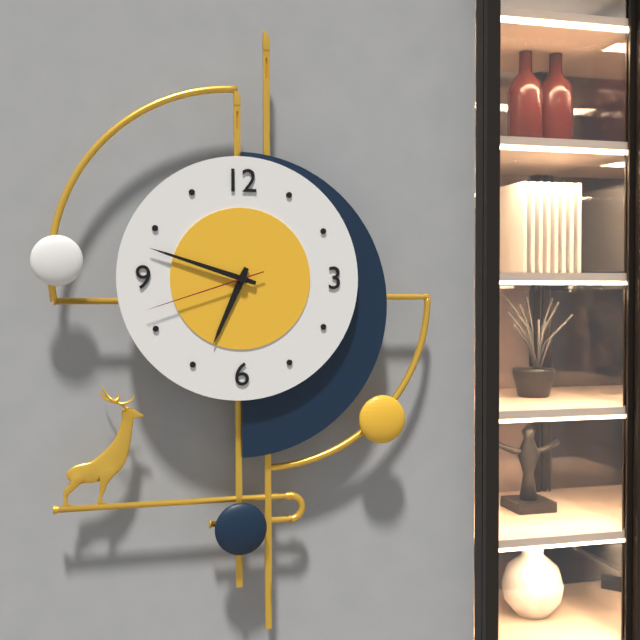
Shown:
6.48.42
